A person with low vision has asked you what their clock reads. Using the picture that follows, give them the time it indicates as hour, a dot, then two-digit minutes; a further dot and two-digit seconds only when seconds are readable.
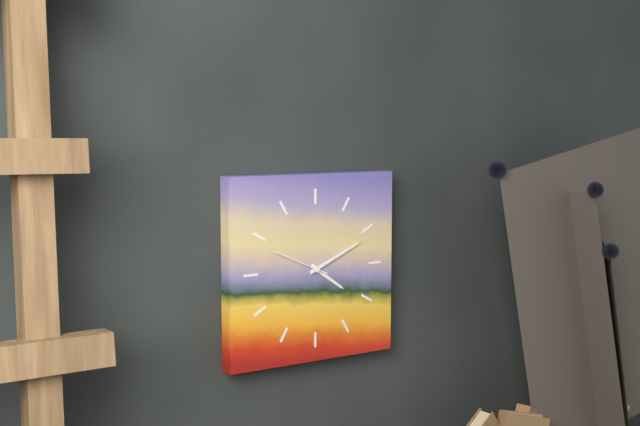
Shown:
4.11.49
